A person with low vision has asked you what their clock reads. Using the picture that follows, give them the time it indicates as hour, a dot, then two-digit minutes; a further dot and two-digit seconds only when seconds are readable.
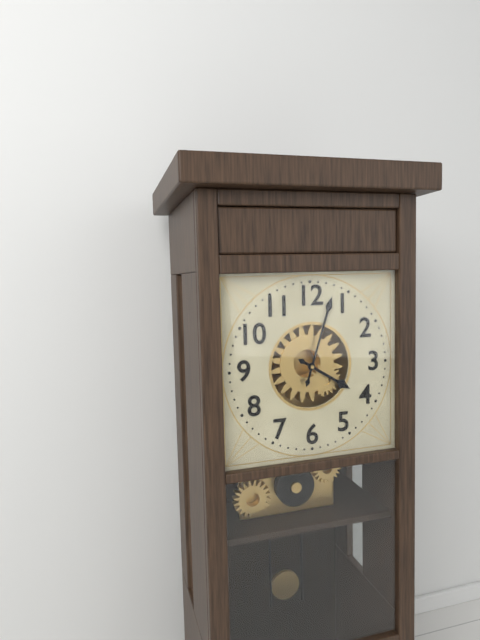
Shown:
4.03
